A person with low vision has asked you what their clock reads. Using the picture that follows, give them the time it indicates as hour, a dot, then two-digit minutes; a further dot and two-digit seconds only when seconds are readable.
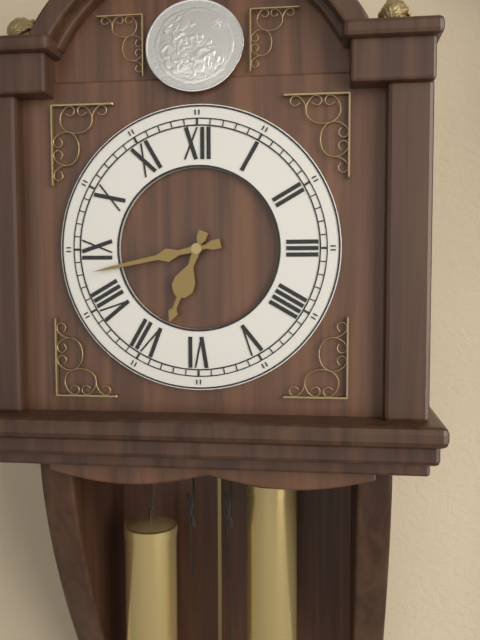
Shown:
6.43
